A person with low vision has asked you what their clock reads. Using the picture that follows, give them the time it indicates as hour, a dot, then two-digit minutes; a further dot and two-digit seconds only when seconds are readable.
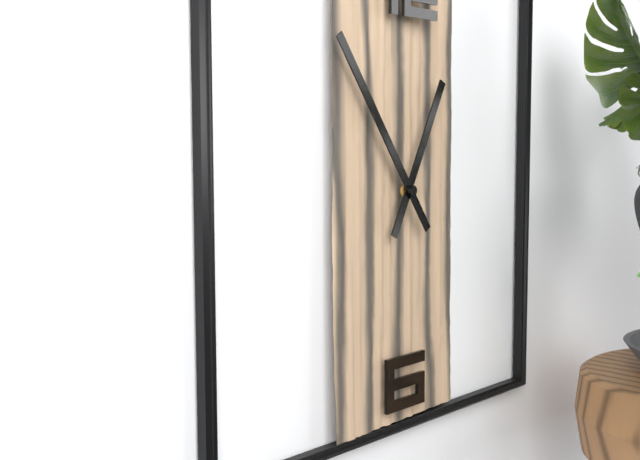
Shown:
12.54
